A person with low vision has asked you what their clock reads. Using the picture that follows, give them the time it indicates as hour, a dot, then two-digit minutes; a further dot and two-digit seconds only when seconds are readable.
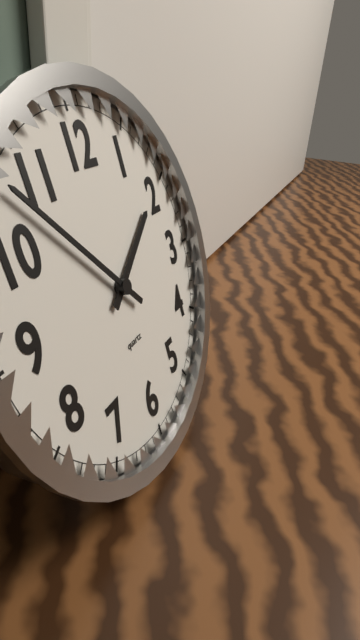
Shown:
1.53
